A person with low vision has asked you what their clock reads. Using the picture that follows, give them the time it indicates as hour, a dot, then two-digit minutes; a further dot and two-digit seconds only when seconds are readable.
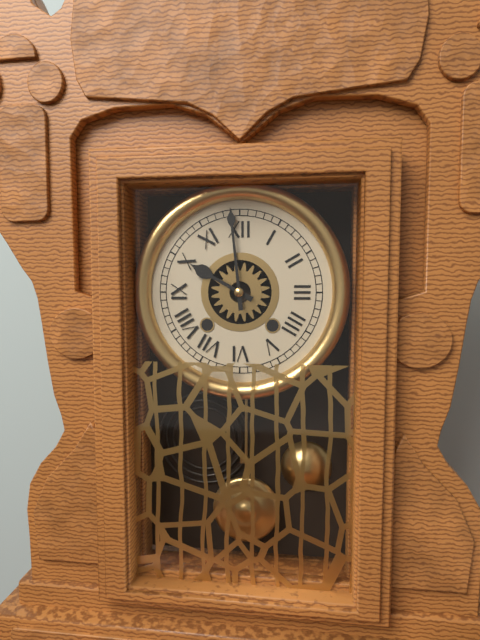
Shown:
9.59
